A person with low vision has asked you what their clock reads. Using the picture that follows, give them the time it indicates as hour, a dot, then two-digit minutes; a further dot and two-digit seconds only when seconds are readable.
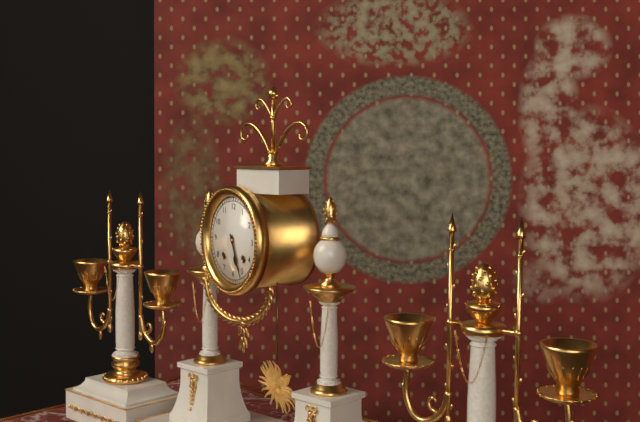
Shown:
5.26
